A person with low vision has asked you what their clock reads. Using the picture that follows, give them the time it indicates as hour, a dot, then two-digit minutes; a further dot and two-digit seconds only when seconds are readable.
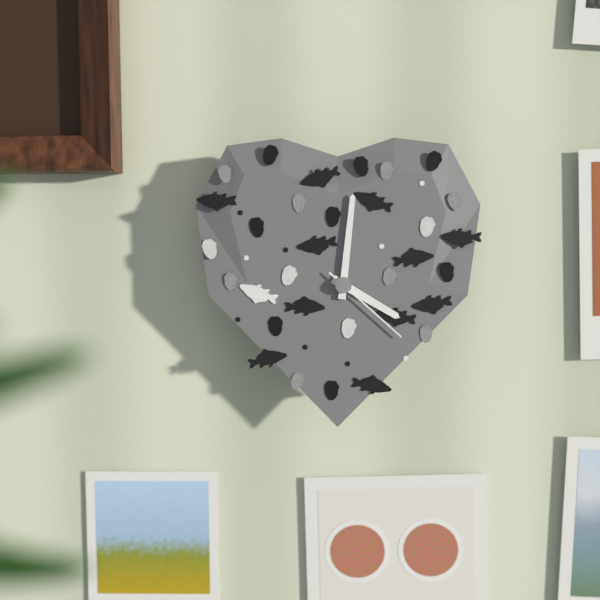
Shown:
4.01.22
